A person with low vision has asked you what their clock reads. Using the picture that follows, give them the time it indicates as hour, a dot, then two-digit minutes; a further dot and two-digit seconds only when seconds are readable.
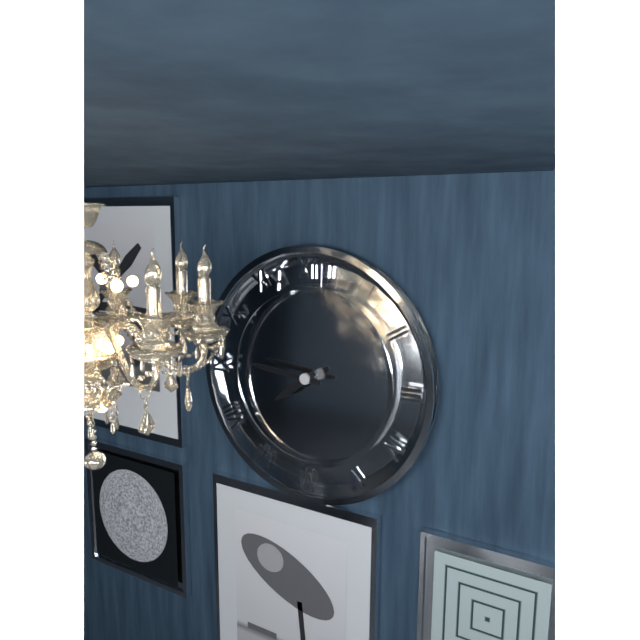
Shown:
7.46
